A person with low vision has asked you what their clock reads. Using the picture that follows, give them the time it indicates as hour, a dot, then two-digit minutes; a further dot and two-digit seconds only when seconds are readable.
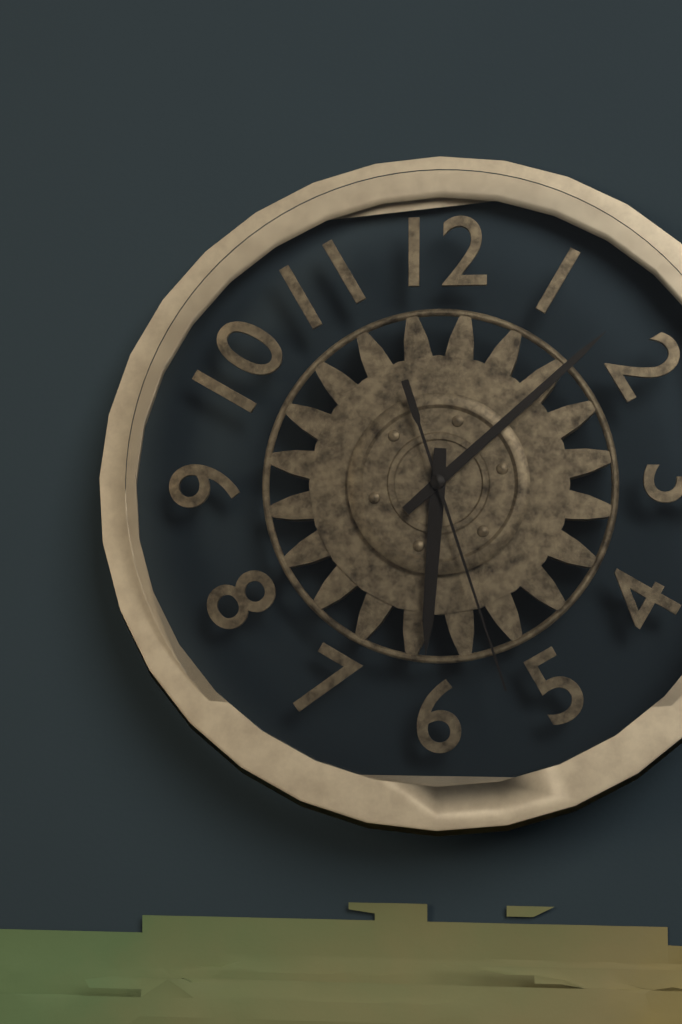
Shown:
6.08.27
